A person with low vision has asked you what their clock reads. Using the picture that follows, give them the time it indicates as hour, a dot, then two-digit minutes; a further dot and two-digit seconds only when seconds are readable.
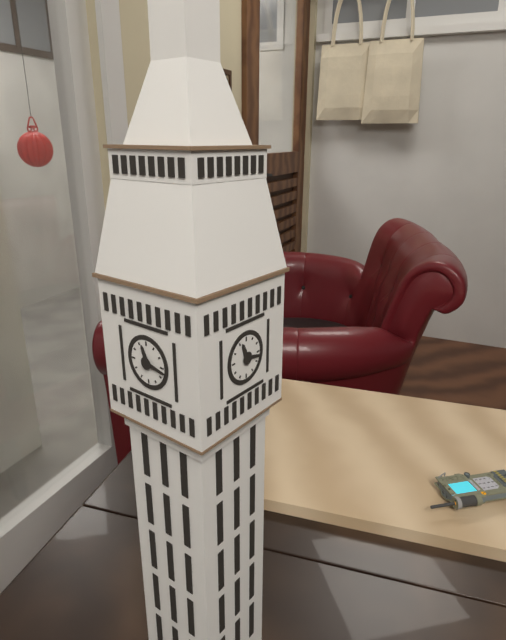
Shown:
11.17
